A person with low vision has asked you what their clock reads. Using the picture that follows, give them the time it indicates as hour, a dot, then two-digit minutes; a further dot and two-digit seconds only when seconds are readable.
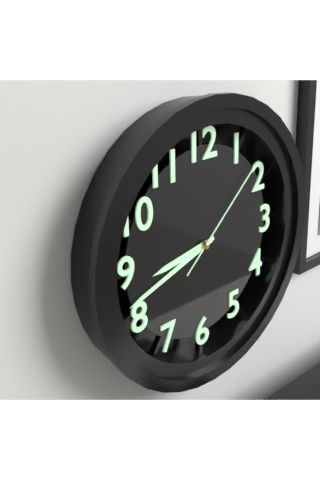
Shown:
8.42.08
